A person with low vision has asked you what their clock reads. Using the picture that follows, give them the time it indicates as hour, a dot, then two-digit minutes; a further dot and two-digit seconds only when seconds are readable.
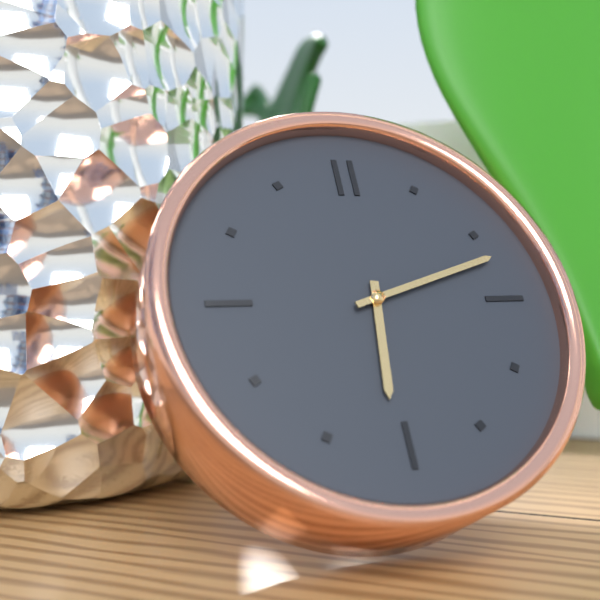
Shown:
6.12
